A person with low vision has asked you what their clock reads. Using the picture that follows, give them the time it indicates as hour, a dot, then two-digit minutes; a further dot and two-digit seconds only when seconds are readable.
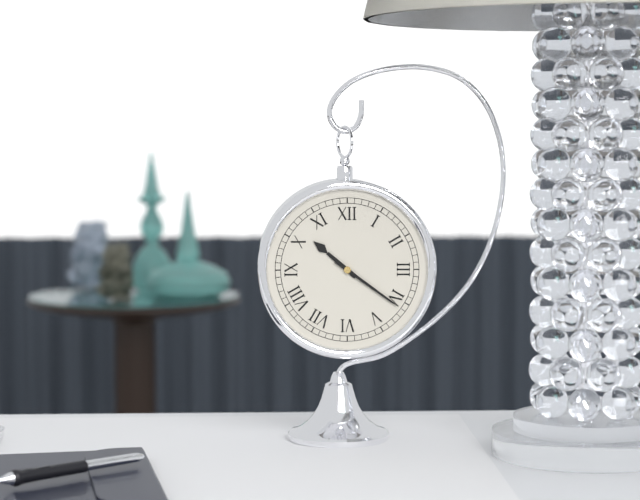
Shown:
10.21
